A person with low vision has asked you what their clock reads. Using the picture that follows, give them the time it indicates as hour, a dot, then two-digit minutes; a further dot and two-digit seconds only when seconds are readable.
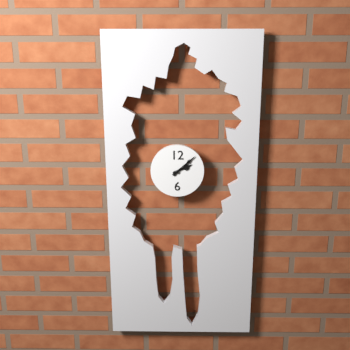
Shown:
2.08
